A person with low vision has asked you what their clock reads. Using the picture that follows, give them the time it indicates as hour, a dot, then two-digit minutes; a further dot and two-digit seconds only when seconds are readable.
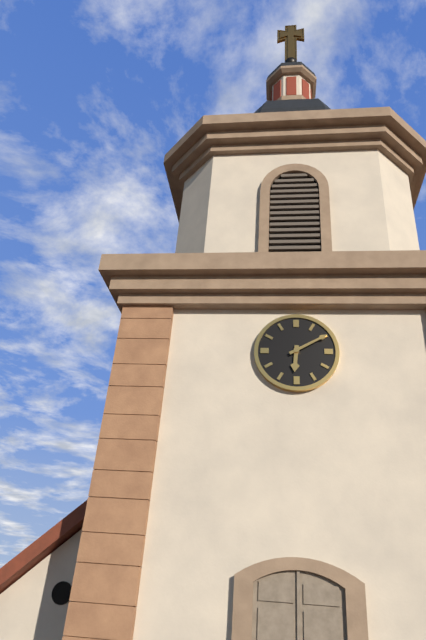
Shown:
6.10
